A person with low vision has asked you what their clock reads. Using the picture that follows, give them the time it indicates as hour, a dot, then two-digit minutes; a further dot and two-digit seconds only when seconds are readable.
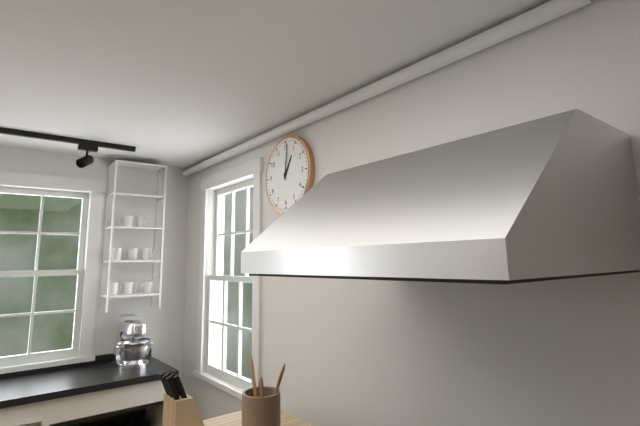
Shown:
1.01
